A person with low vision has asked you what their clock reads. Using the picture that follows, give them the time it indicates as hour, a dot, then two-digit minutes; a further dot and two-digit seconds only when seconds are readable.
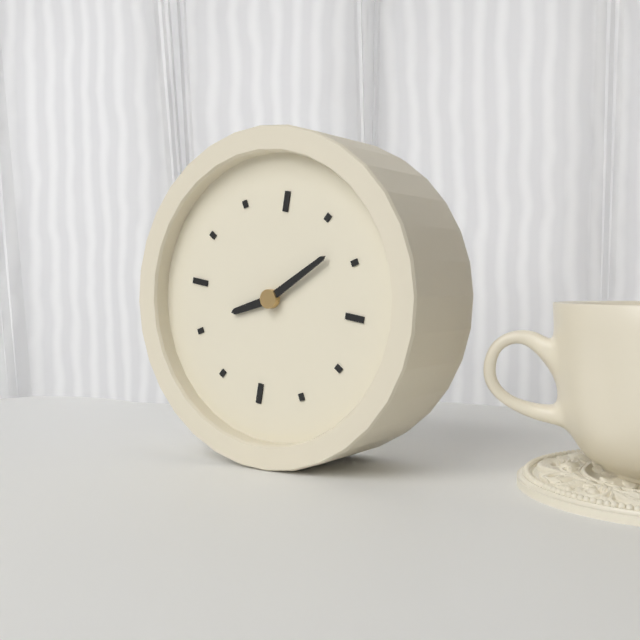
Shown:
8.08
